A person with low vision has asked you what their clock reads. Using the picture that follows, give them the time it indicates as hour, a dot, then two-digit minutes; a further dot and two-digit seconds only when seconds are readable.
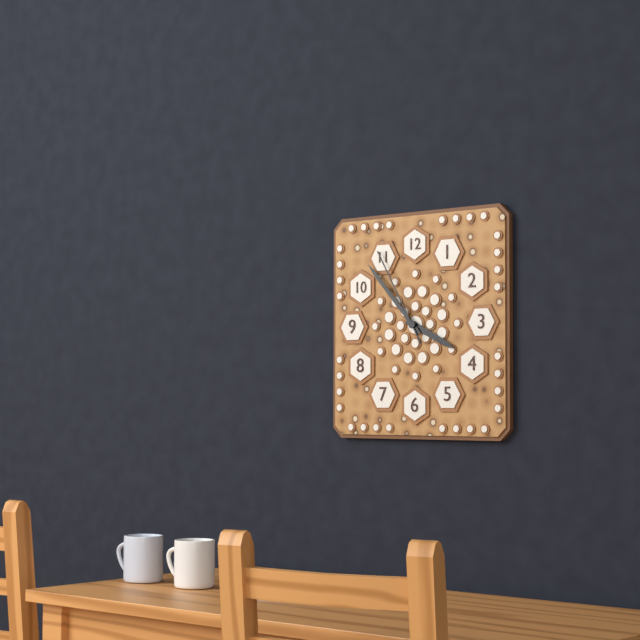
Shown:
3.53.55
